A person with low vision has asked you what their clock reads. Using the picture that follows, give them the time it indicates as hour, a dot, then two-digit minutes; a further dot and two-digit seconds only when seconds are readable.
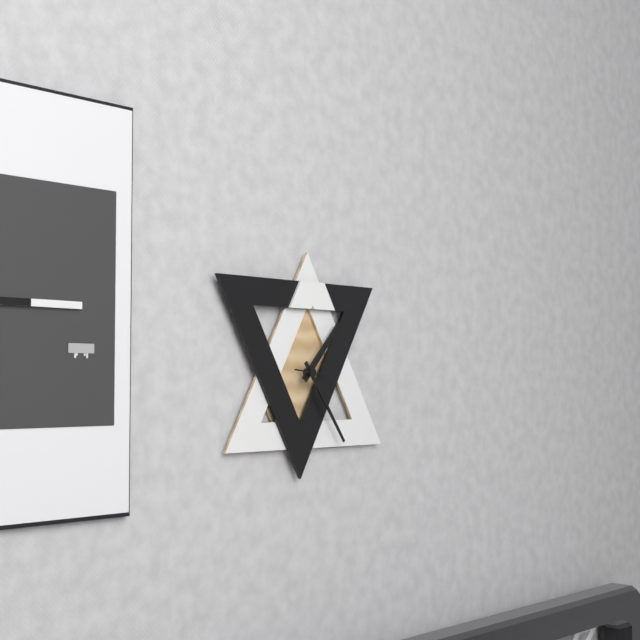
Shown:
1.24
